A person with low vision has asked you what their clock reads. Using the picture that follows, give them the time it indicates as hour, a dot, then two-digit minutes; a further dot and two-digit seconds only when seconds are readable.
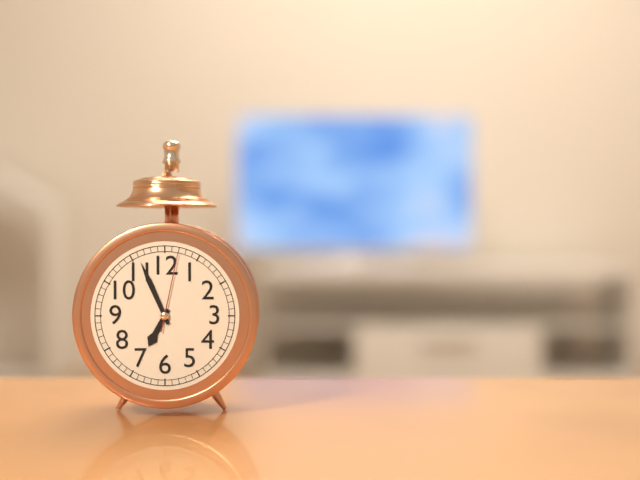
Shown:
6.56.02
